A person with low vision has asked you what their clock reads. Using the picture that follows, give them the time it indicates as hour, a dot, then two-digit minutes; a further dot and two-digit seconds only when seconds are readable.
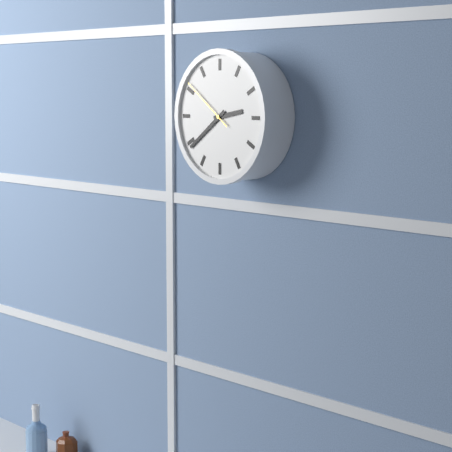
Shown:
2.39.51
